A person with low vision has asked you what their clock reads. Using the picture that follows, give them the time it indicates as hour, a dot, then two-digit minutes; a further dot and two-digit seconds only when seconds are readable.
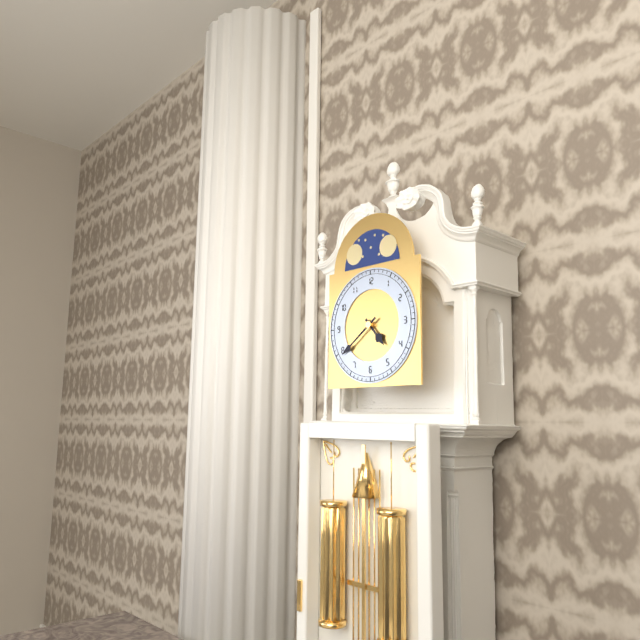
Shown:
4.39
